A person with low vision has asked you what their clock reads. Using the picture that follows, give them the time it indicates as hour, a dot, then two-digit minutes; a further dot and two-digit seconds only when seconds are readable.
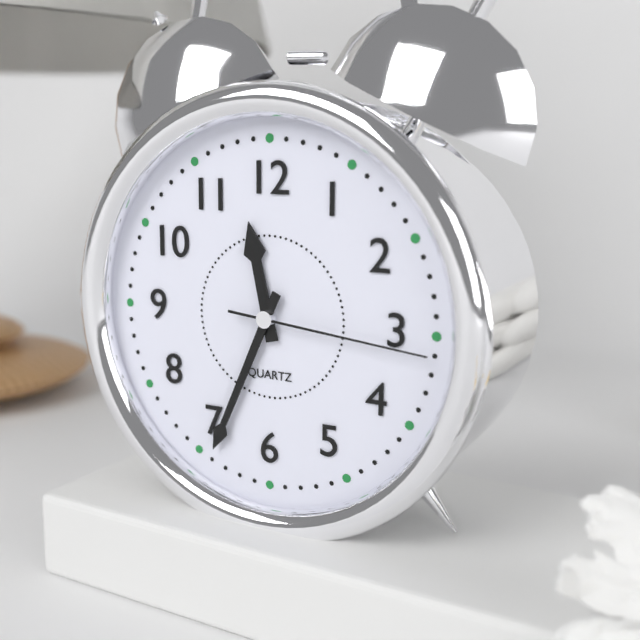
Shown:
11.34.16
